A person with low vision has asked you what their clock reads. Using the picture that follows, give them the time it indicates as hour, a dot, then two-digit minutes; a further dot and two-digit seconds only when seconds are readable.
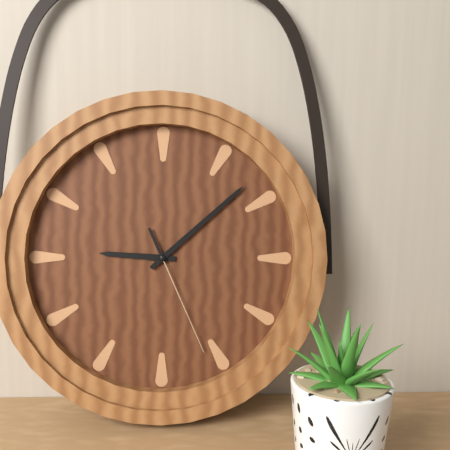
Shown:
9.08.26
